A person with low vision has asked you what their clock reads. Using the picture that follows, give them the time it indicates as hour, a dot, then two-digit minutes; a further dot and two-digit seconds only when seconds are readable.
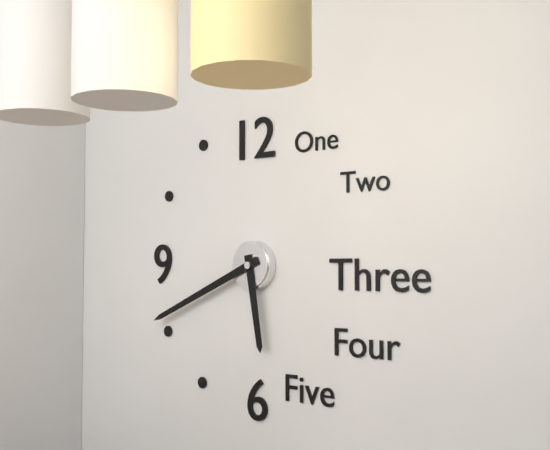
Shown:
5.41
